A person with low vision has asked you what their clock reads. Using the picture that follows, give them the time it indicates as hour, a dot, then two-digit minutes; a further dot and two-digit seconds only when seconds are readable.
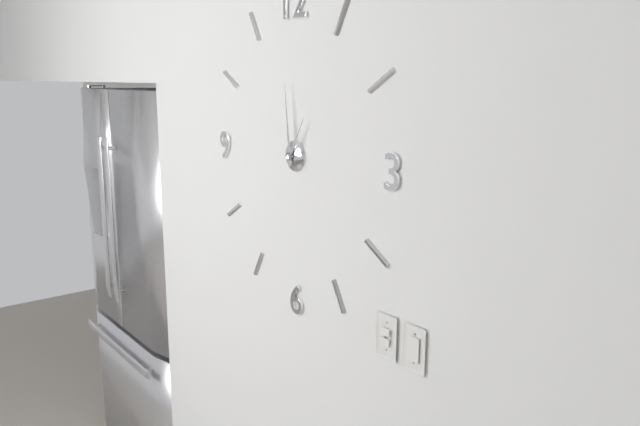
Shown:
12.59
